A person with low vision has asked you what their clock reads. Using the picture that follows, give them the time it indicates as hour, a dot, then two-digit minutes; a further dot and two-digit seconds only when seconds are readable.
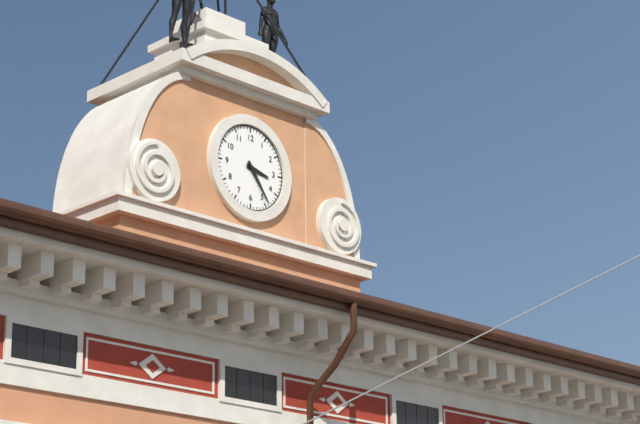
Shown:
3.24
